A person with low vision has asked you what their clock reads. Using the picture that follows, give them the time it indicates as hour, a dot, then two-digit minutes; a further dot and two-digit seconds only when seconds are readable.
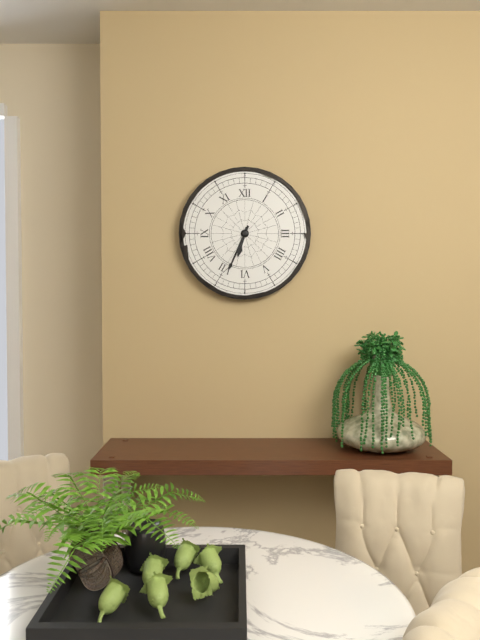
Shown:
6.34
